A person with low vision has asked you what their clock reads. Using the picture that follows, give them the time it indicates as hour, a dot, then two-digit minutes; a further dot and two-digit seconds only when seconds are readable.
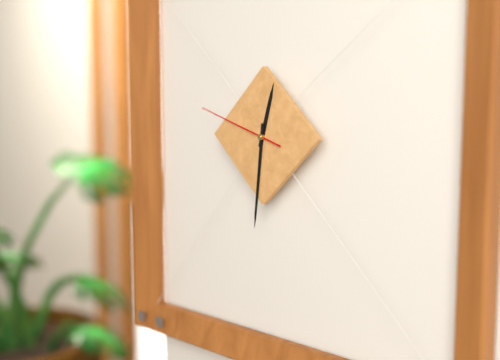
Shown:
12.31.48
